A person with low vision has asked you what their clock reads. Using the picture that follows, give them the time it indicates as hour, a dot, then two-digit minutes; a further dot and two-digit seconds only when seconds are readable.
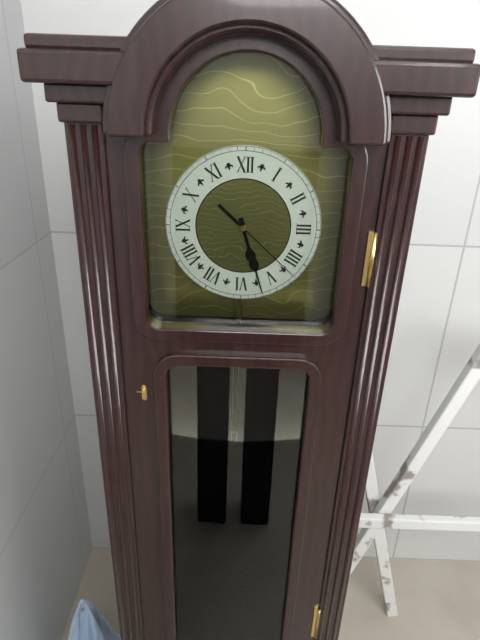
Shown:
5.27.22
